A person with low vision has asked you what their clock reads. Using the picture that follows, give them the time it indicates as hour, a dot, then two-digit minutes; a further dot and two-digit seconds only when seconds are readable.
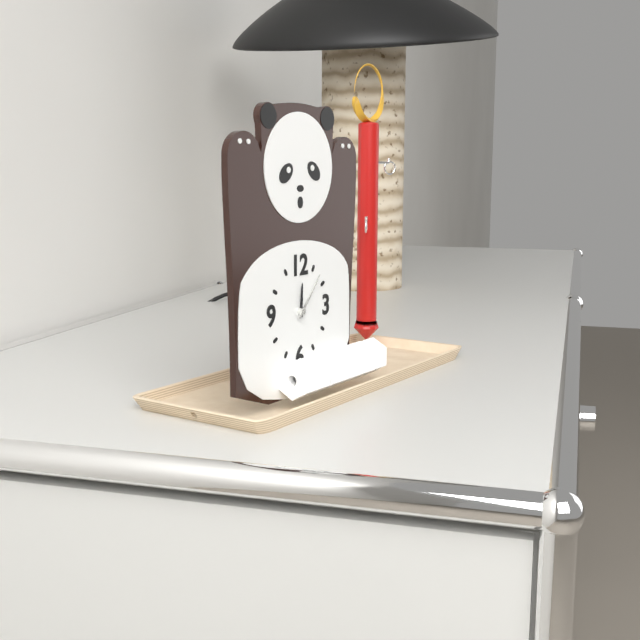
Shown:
12.07
